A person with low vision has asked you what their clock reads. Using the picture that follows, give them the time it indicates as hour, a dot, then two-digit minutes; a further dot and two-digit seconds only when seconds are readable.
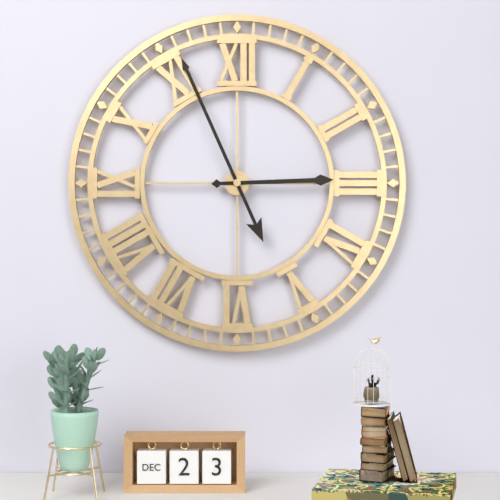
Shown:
2.56
